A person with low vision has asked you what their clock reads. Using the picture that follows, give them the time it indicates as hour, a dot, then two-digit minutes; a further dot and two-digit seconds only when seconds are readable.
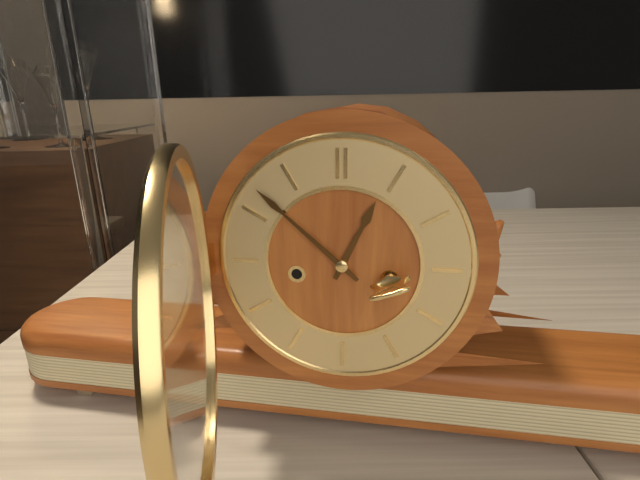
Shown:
12.52
